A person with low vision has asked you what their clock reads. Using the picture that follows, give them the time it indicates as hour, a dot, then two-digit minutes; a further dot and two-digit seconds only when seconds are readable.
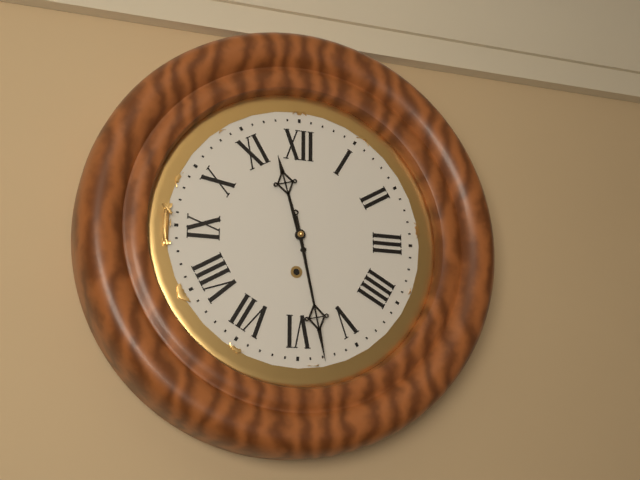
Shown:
11.28
